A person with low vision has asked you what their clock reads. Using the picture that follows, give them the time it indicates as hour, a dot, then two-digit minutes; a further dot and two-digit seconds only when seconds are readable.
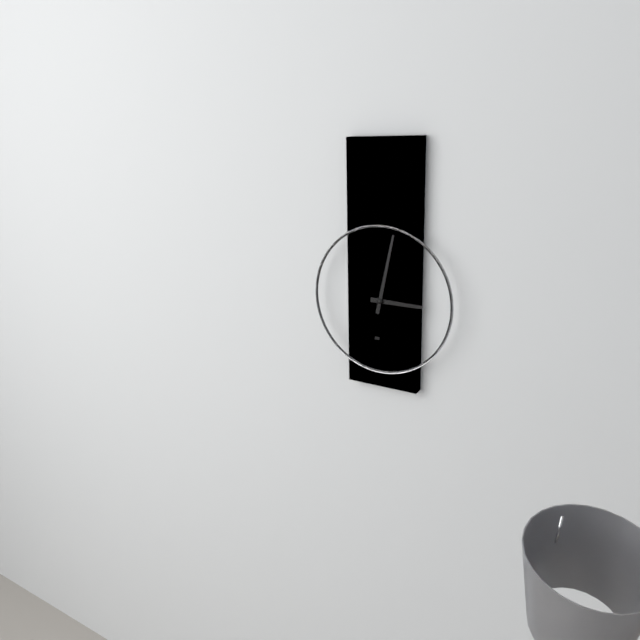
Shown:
3.02
